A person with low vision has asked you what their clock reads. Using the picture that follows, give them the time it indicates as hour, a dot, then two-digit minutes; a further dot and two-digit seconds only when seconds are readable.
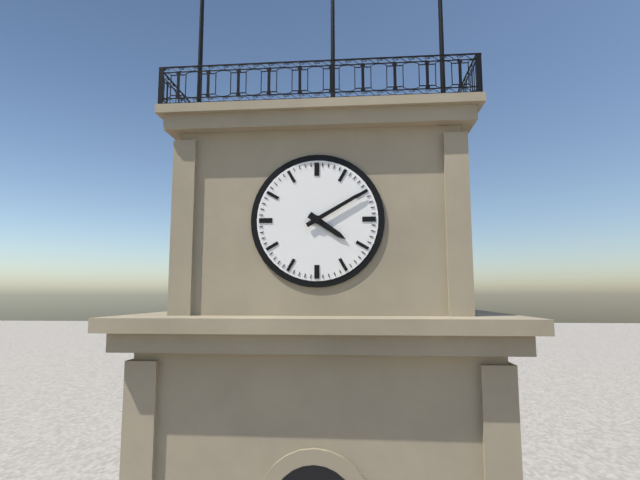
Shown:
4.10
